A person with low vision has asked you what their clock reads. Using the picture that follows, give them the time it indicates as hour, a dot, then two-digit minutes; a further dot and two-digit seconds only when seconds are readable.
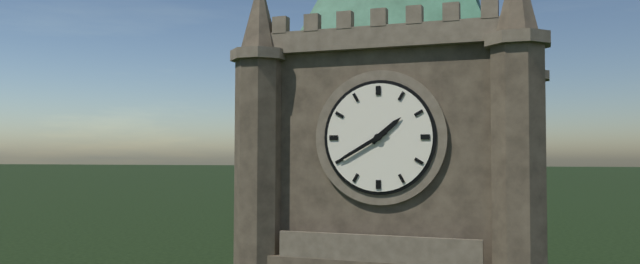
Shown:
1.40
